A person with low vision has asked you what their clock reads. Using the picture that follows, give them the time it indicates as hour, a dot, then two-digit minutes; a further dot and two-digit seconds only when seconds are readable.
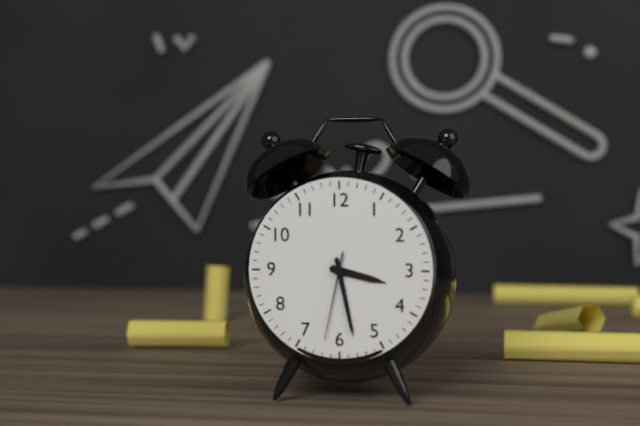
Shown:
3.28.32
